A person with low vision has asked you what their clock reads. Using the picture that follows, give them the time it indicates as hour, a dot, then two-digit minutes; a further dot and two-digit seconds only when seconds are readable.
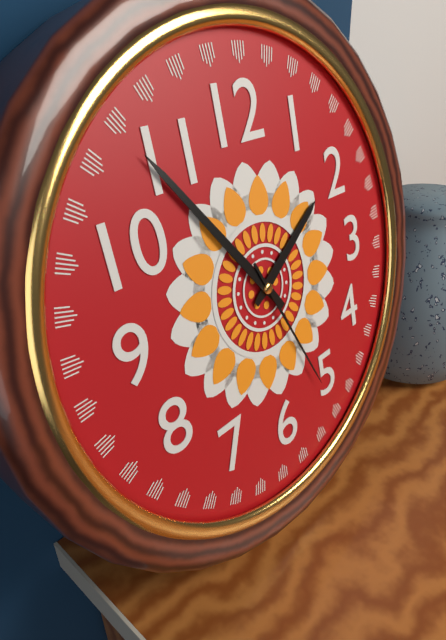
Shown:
1.54.26
